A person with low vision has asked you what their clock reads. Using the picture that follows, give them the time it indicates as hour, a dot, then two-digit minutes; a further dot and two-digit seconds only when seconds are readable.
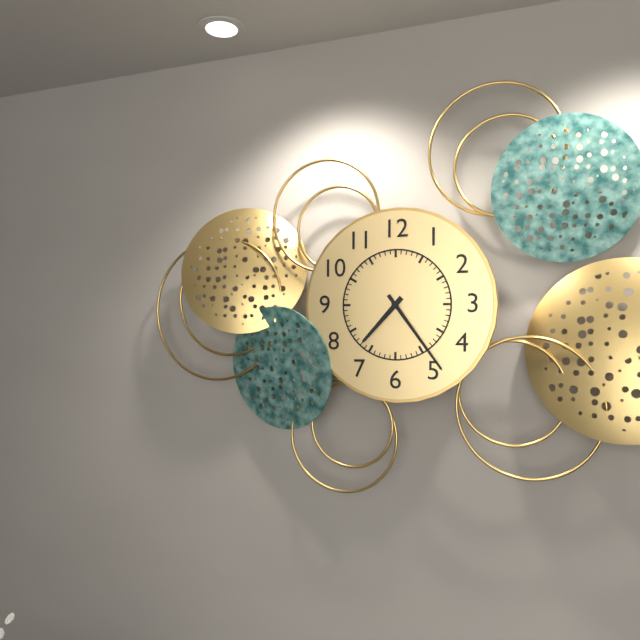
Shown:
7.24
